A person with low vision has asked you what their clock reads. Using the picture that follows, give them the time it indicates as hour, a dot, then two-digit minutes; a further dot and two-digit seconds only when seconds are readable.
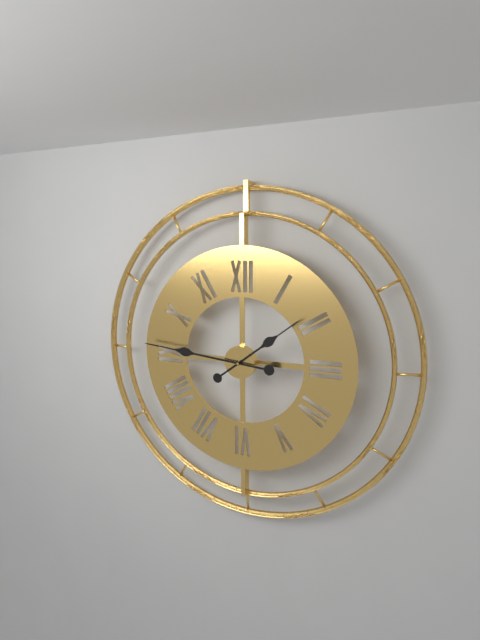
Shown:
1.46
